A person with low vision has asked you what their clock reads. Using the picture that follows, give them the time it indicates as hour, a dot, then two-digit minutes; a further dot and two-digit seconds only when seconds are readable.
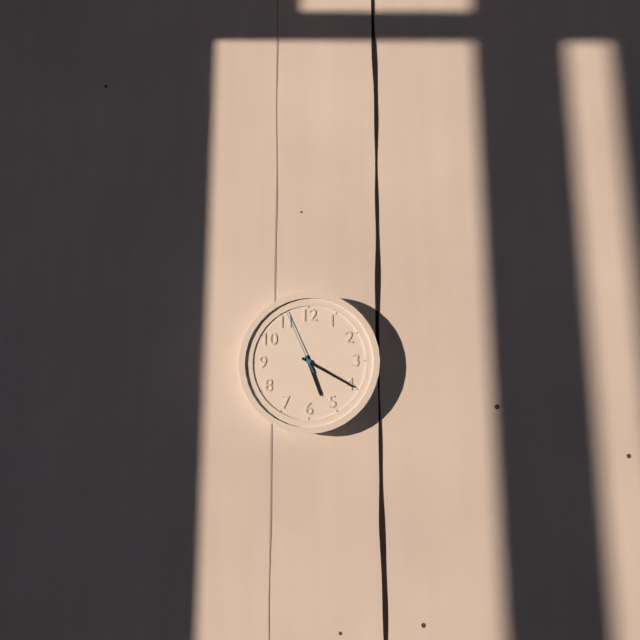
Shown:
5.20.56
